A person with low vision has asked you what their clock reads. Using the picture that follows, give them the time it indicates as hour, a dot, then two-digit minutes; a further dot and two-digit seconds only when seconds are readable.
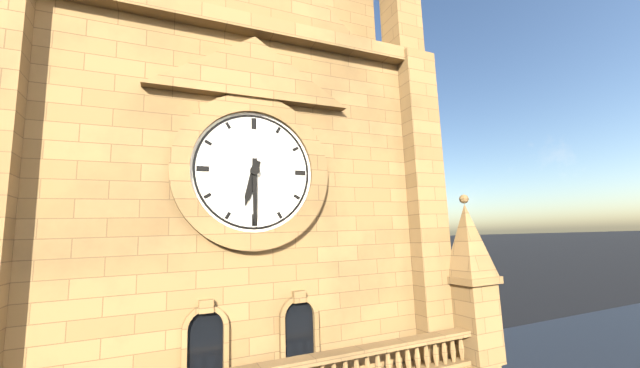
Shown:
6.30
